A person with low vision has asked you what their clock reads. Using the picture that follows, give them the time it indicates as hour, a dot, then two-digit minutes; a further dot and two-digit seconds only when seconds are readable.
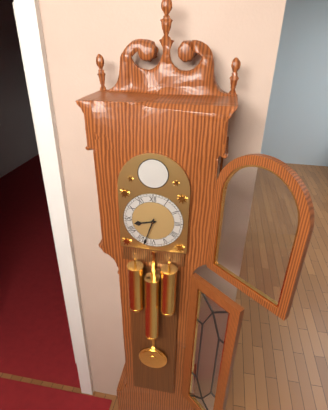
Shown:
8.33
